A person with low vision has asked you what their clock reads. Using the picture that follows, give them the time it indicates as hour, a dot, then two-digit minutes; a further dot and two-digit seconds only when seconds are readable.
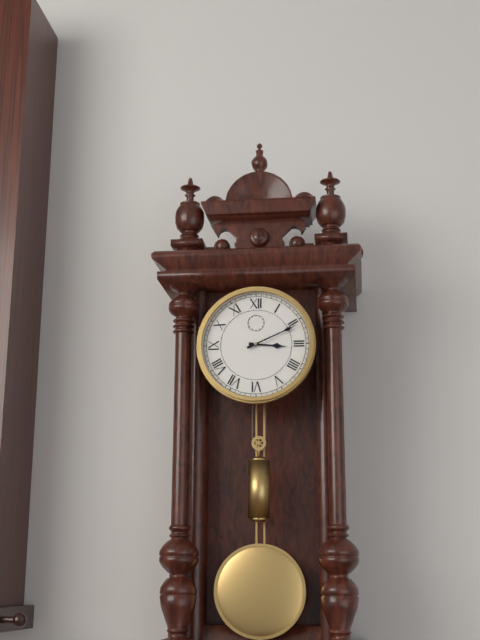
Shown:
3.11
